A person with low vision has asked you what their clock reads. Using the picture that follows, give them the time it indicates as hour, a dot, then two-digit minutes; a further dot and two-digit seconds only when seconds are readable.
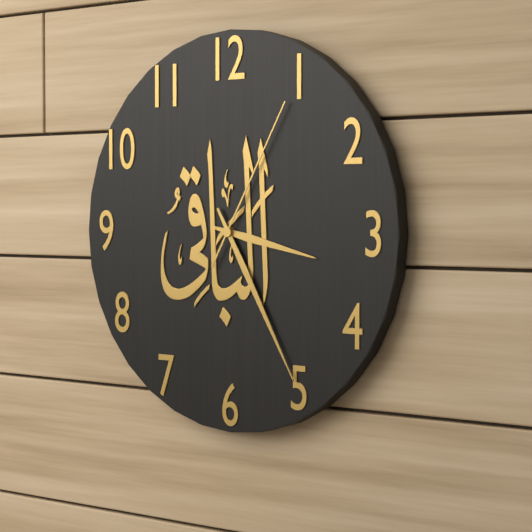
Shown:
3.25.05
